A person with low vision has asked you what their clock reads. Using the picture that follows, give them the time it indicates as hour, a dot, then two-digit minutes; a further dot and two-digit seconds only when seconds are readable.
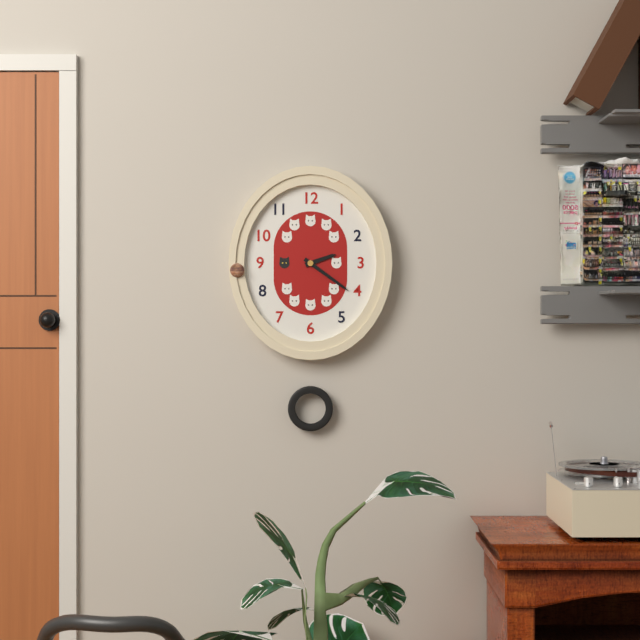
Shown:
2.21
